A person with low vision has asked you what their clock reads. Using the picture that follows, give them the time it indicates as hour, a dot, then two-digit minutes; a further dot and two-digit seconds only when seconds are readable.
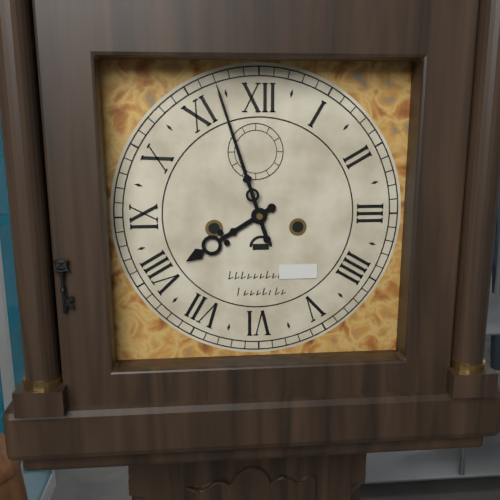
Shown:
7.57
